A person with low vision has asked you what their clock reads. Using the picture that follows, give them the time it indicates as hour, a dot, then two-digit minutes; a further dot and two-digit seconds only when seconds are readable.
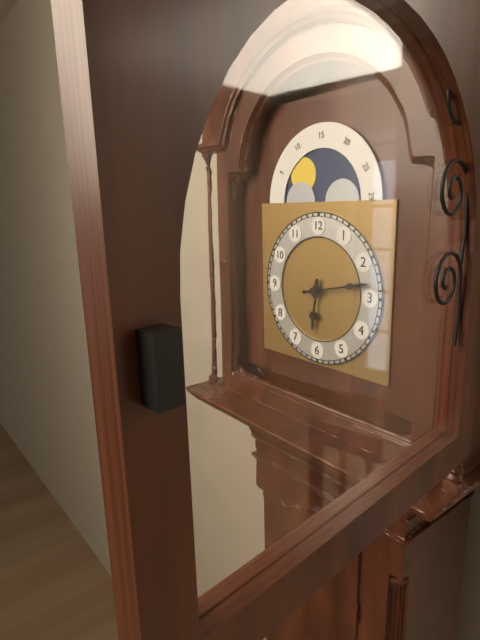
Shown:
6.13
